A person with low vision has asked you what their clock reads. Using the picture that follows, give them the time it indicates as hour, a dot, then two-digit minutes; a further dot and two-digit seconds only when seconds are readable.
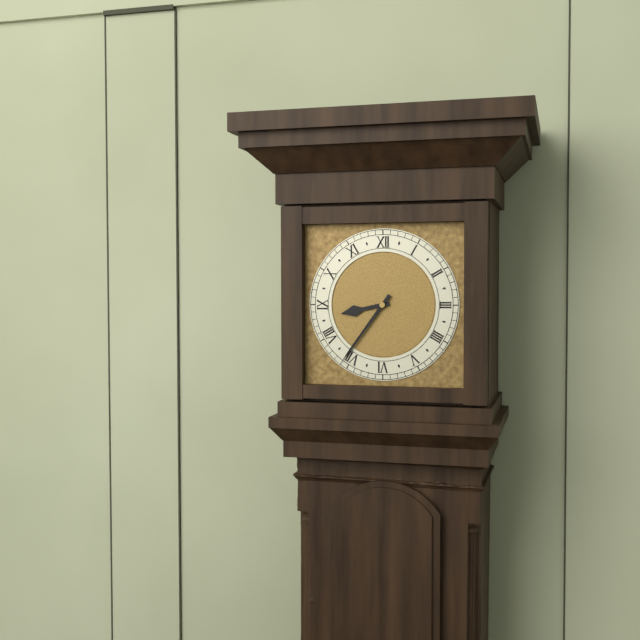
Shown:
8.36
